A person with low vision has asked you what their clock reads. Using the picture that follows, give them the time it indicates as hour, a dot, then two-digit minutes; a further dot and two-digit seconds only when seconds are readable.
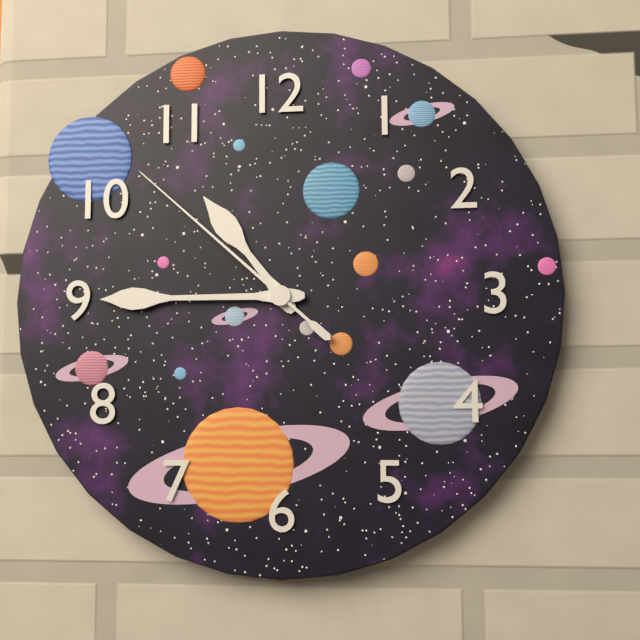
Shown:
10.45.52
